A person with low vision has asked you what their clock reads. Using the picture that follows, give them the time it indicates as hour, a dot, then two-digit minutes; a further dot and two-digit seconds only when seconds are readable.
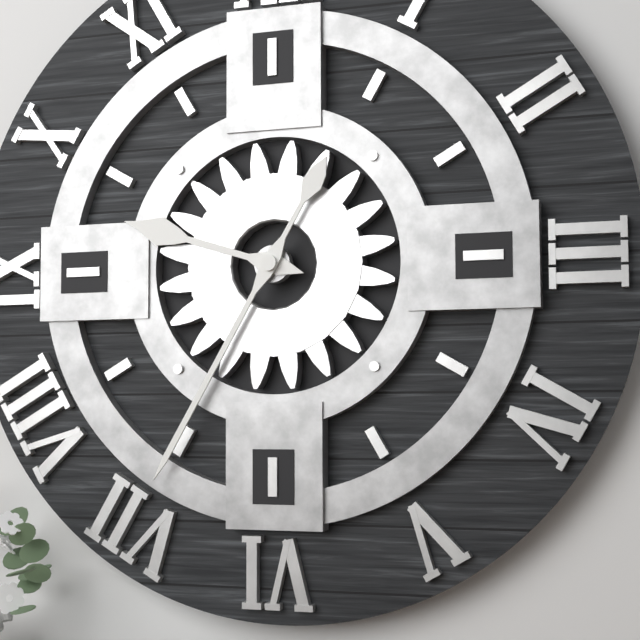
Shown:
9.35
